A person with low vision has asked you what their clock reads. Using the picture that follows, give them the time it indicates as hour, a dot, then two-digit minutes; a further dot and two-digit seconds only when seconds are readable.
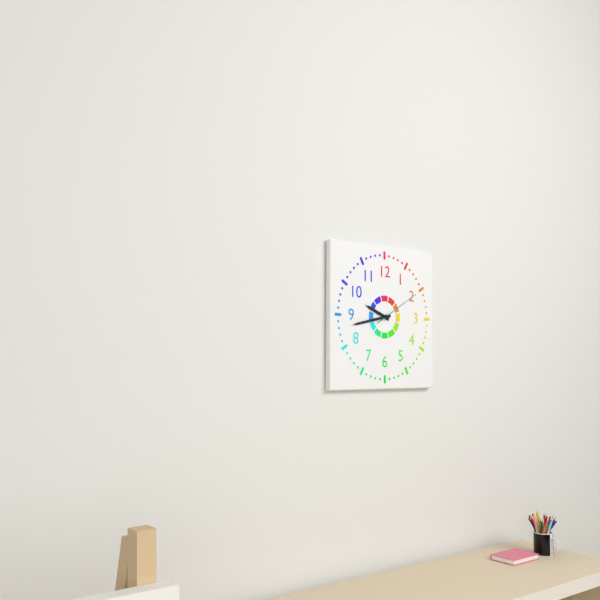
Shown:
9.43
